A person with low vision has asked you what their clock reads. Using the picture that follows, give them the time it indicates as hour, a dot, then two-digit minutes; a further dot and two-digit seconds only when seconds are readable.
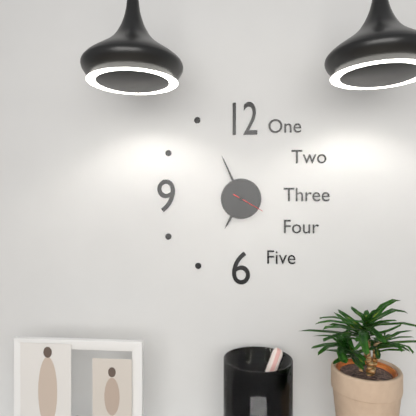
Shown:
6.56
